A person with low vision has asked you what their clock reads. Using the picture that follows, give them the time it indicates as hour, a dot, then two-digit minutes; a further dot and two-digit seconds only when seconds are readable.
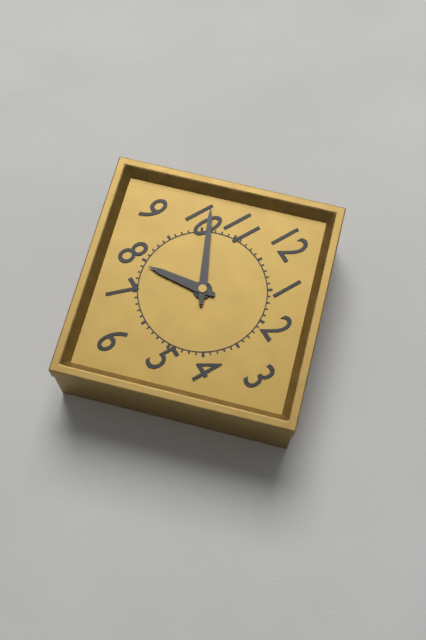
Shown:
7.51
